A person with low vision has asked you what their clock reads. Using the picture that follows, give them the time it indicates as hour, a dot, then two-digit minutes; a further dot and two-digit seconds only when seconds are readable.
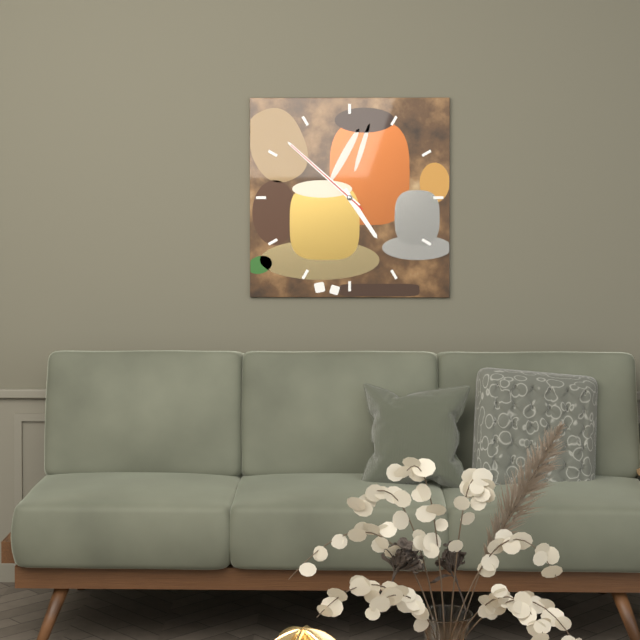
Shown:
4.52.52
